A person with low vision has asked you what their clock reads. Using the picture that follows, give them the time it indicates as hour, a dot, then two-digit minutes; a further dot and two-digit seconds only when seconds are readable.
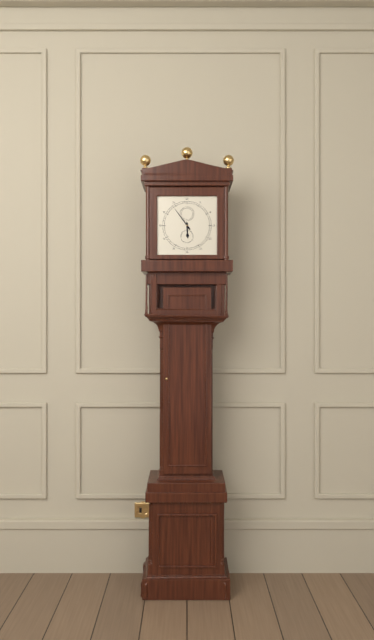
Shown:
5.54
